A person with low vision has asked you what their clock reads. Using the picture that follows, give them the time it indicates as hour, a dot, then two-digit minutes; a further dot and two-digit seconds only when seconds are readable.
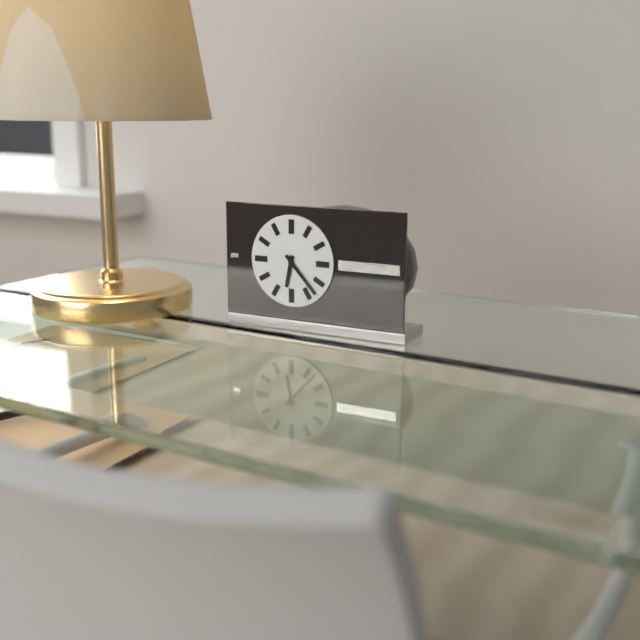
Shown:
6.23
